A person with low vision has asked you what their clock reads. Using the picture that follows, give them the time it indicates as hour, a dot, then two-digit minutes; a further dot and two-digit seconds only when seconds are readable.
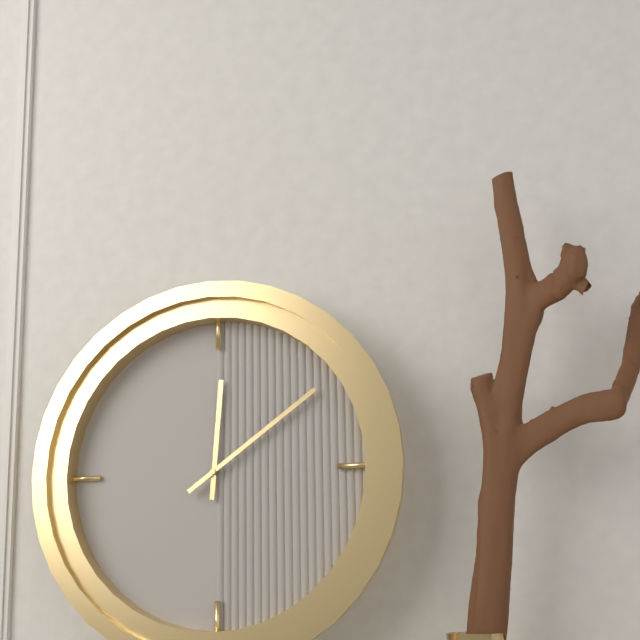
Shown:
12.09
